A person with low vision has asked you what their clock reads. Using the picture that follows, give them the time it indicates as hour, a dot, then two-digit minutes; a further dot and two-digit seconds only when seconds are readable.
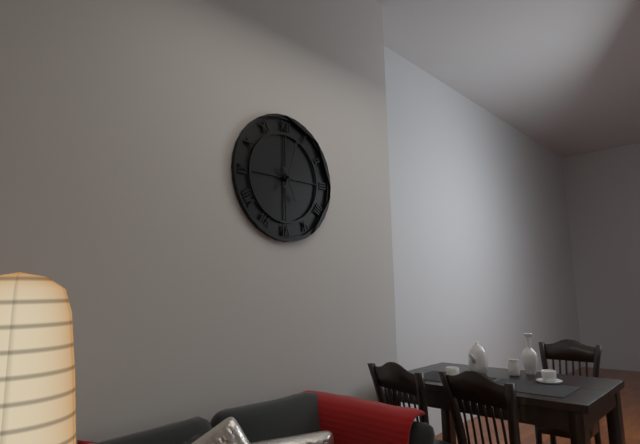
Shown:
5.03
